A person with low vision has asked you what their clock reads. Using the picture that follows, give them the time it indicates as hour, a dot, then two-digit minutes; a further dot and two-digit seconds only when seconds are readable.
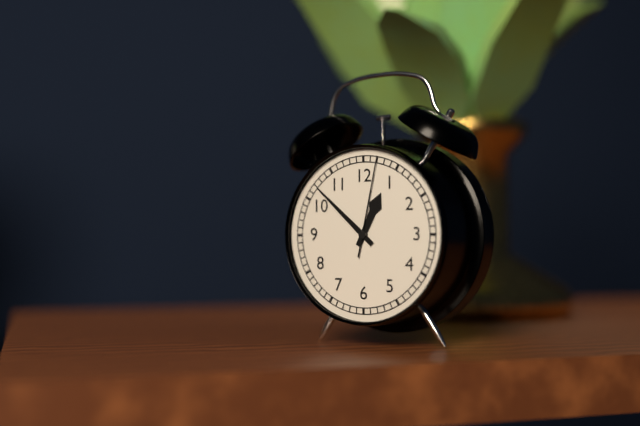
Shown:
12.52.02
